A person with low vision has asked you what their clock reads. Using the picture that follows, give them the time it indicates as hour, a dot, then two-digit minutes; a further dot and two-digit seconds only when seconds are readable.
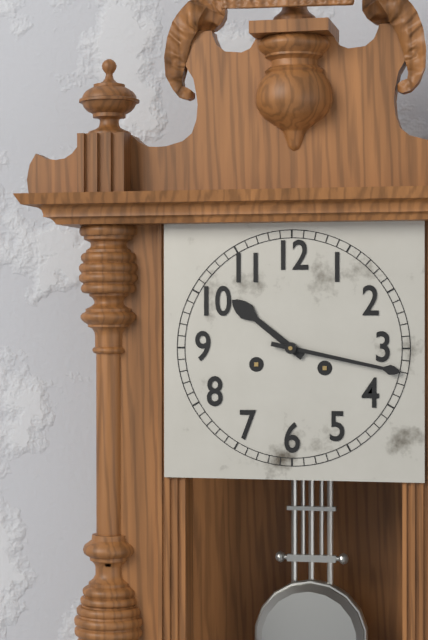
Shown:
10.17
